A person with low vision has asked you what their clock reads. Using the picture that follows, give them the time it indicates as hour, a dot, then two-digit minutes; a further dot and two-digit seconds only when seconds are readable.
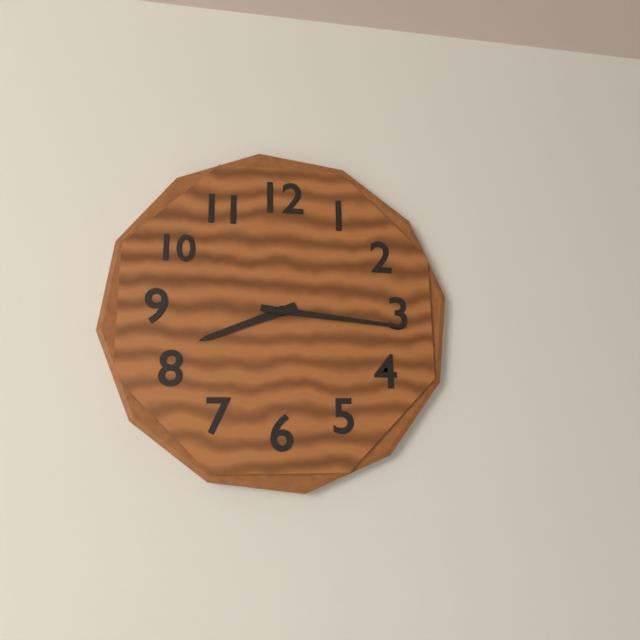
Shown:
8.16
